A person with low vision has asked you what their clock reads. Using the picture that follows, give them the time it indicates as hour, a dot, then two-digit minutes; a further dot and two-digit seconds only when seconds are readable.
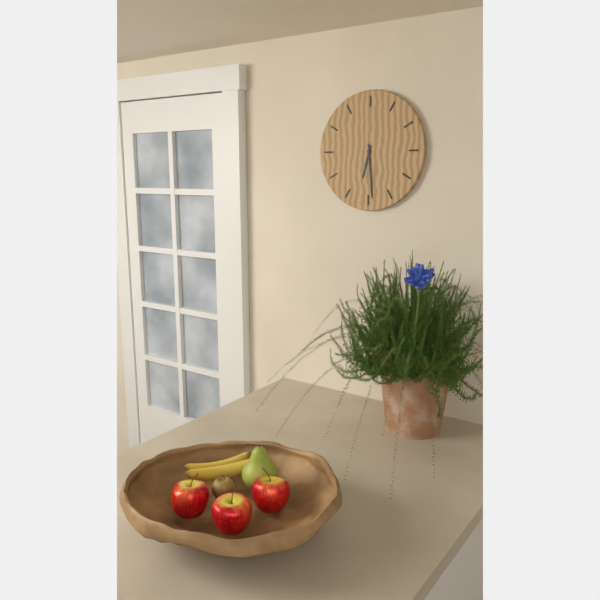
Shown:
6.29
